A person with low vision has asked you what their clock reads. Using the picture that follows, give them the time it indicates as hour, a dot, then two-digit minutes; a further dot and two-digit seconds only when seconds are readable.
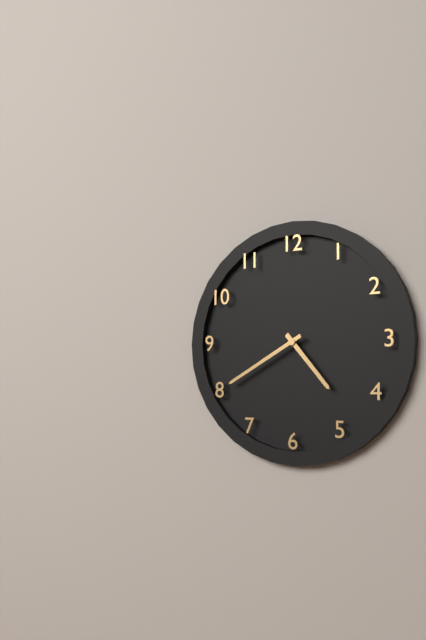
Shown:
4.40
